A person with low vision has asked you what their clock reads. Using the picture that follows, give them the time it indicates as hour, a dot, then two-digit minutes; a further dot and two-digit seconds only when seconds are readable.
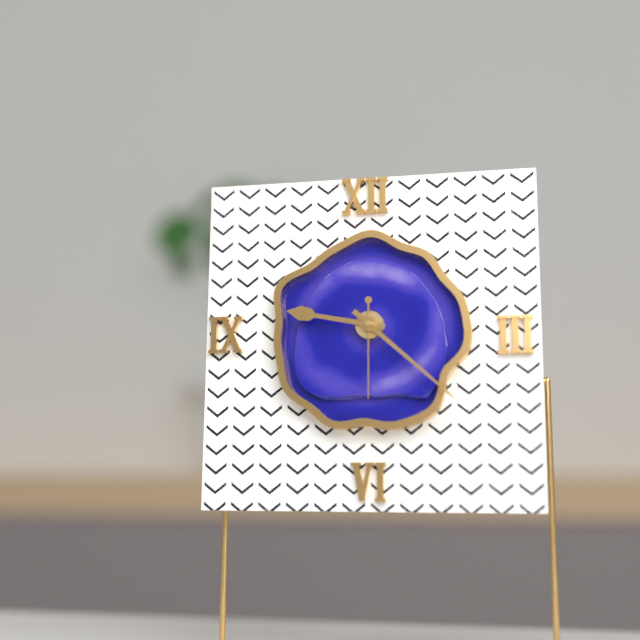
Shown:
9.22.30
